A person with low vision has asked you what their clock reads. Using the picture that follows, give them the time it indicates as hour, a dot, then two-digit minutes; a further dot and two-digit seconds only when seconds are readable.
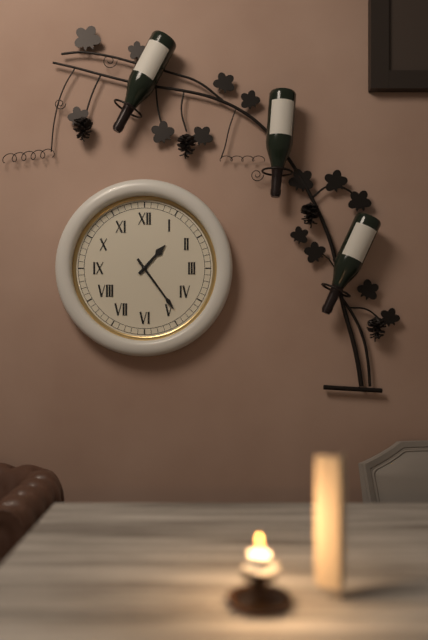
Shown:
1.24
